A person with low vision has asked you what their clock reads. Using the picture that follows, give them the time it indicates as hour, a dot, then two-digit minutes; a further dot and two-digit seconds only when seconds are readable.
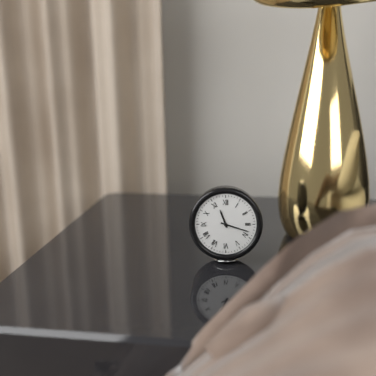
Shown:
11.18
